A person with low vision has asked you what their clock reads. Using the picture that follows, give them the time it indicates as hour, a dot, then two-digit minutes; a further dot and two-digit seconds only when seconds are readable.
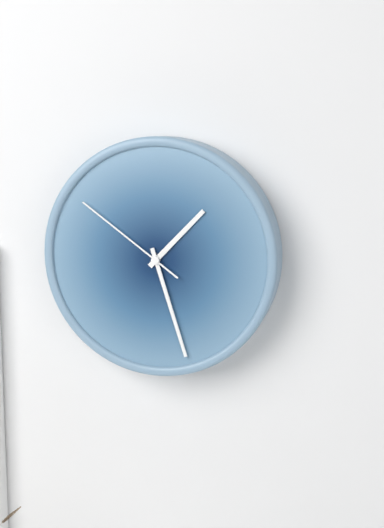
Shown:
1.27.51
